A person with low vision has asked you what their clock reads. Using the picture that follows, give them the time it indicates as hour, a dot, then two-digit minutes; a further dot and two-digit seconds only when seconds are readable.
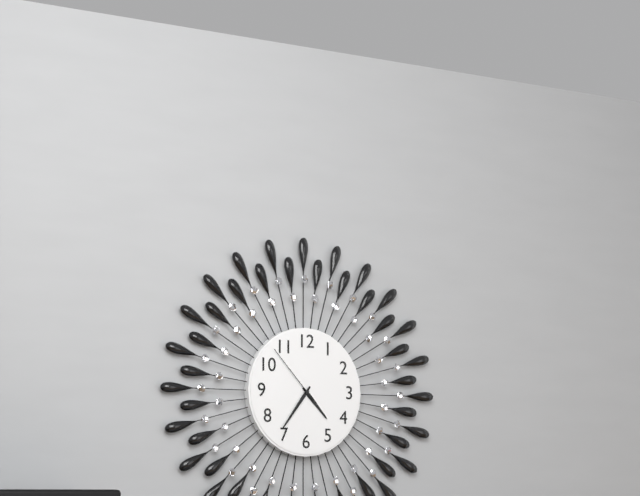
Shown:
4.36.53
